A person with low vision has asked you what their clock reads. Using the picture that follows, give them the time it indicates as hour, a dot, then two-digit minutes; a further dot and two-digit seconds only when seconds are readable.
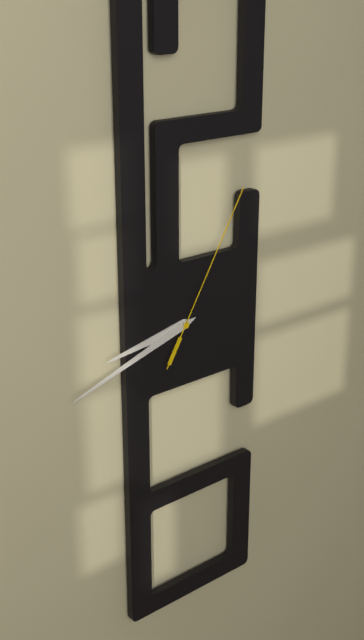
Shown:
8.42.05
